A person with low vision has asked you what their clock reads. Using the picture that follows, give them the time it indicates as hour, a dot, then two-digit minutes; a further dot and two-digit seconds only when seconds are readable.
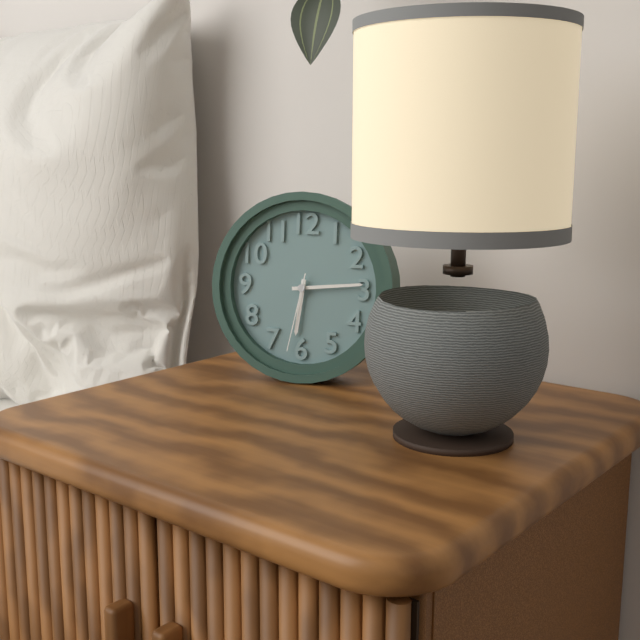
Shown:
6.14.32
